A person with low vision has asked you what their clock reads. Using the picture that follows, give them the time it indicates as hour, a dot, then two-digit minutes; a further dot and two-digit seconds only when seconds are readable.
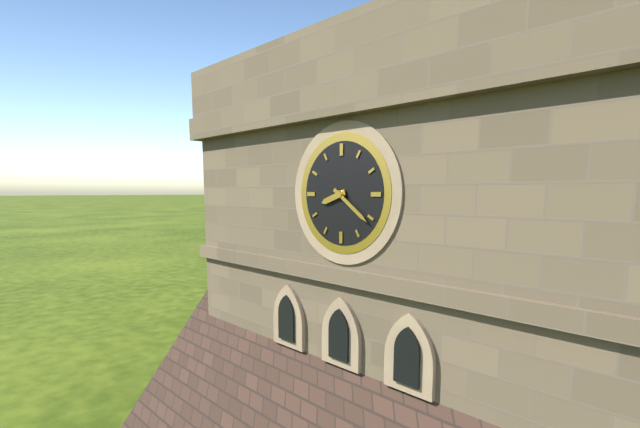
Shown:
8.21
